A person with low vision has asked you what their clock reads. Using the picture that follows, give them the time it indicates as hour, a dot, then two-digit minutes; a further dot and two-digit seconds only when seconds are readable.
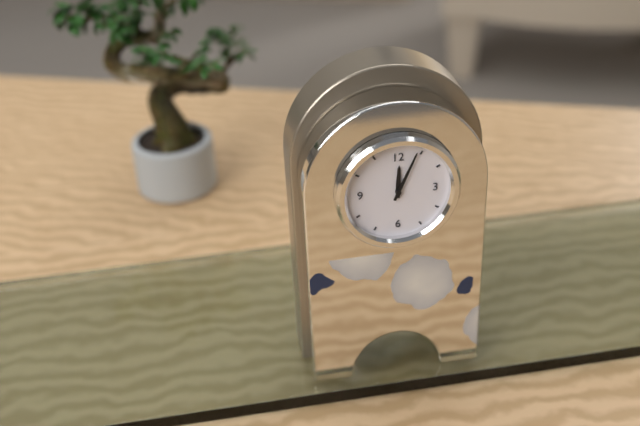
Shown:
12.04
